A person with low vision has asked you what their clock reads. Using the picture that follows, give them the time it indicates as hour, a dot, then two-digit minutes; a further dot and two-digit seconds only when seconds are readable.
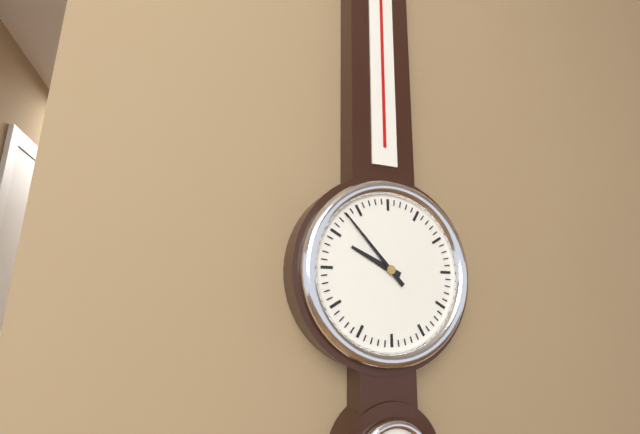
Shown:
9.53
